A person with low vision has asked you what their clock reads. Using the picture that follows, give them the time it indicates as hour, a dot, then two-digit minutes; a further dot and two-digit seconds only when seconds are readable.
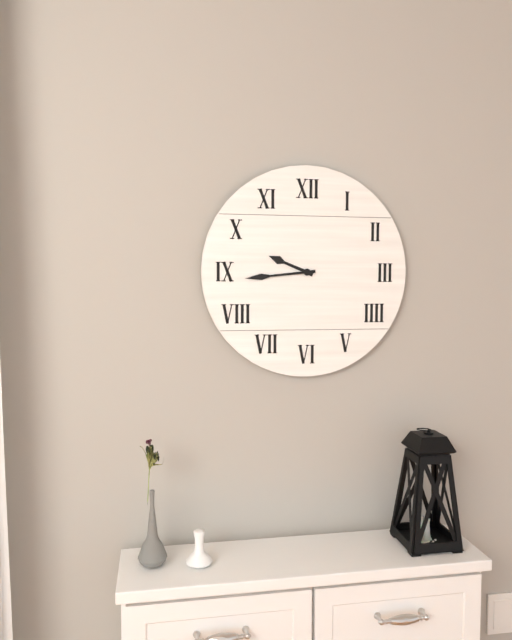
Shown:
9.44
